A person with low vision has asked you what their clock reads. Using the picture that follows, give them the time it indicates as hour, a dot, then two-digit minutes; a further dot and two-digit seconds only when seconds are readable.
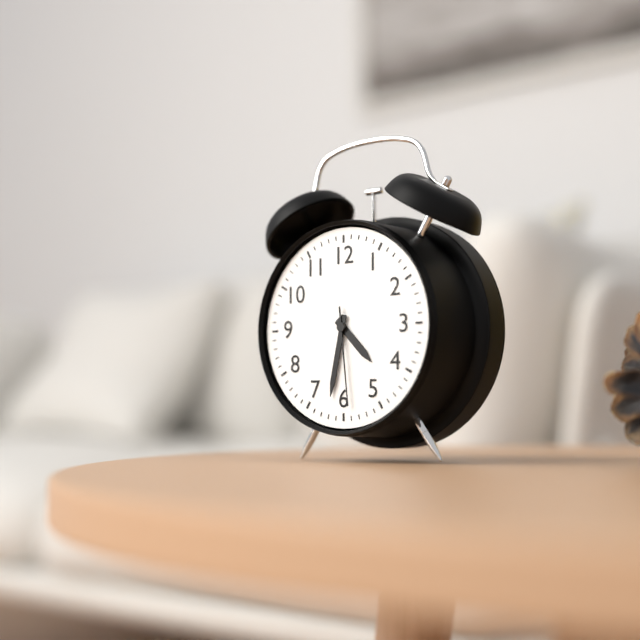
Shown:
4.32.29
